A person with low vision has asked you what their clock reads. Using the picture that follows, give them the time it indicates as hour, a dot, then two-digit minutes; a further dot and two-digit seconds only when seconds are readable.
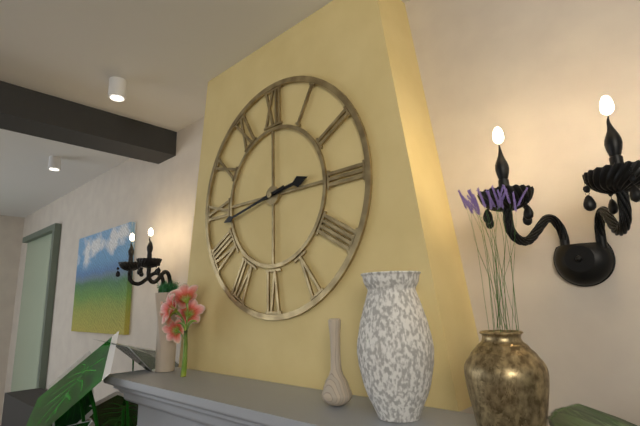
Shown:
2.43
